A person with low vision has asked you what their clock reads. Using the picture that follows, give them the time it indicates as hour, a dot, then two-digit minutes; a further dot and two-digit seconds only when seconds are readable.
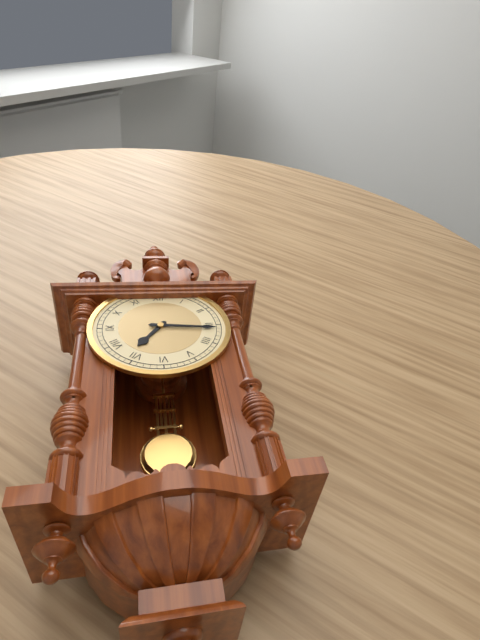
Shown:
7.16
